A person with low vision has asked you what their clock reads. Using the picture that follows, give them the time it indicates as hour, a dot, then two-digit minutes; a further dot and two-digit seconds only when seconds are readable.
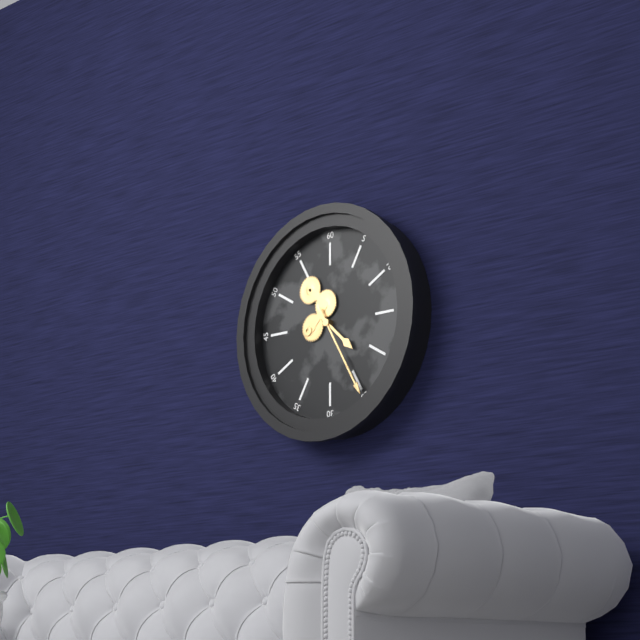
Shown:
4.25
